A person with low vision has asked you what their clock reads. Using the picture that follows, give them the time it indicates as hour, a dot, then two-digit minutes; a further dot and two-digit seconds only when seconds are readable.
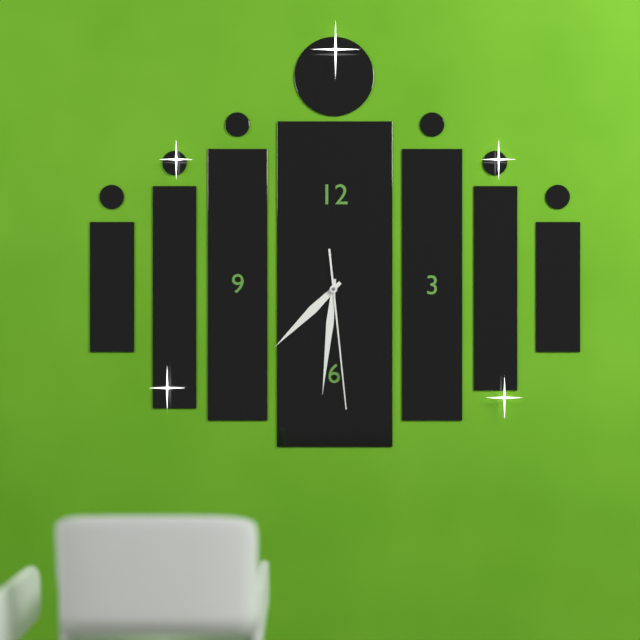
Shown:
7.31.29
